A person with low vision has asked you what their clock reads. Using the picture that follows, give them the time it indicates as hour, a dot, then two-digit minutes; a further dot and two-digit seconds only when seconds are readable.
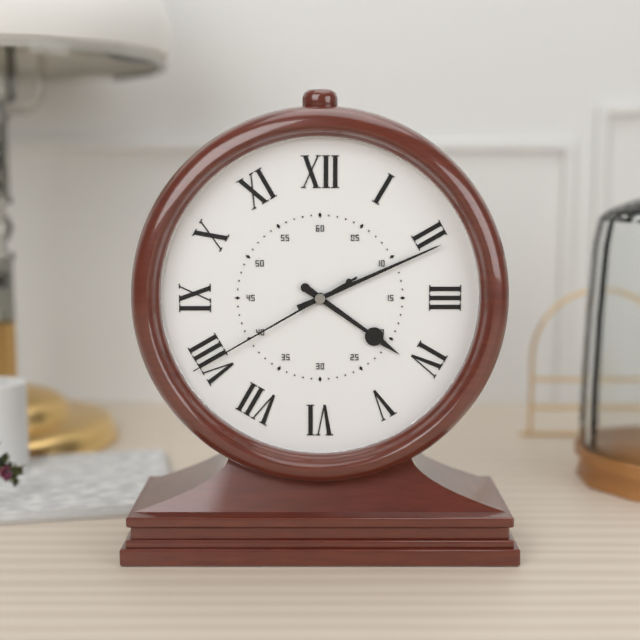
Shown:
4.11.40
